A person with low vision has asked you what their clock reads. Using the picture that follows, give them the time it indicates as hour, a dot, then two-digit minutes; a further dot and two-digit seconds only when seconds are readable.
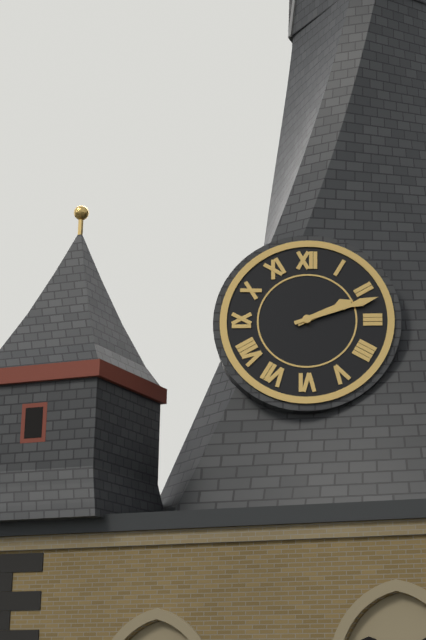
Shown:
2.12
